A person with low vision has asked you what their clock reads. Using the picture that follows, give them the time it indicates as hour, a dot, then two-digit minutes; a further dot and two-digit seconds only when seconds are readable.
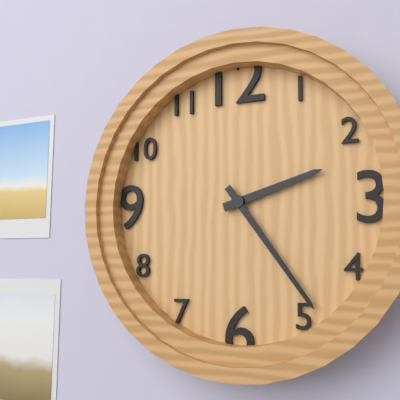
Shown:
2.24
